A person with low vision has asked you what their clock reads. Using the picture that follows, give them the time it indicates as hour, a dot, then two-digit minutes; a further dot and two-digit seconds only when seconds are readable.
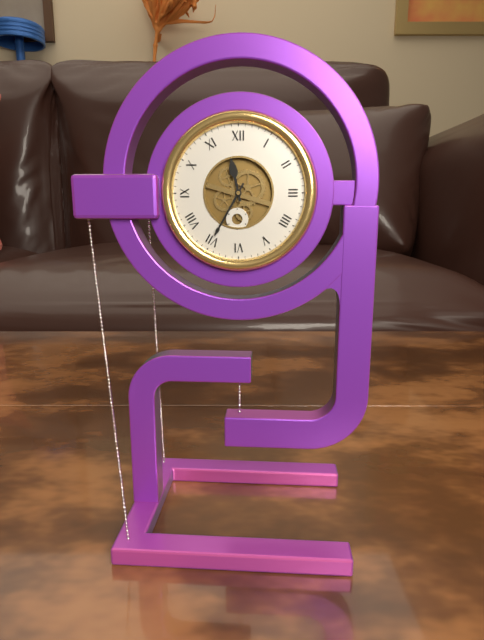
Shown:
11.35
